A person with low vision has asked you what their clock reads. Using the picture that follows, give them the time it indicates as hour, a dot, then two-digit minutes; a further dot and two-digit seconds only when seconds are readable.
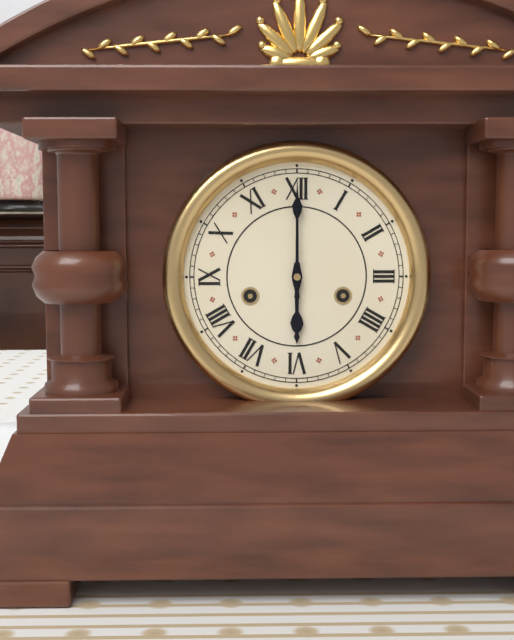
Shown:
6.00
